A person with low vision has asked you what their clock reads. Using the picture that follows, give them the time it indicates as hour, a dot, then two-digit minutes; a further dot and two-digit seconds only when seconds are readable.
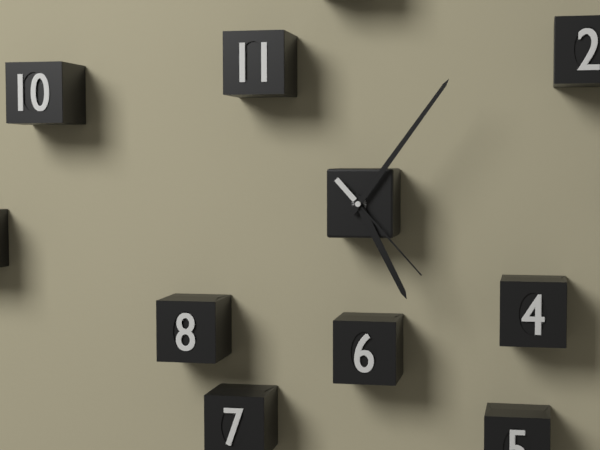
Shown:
5.06.23
